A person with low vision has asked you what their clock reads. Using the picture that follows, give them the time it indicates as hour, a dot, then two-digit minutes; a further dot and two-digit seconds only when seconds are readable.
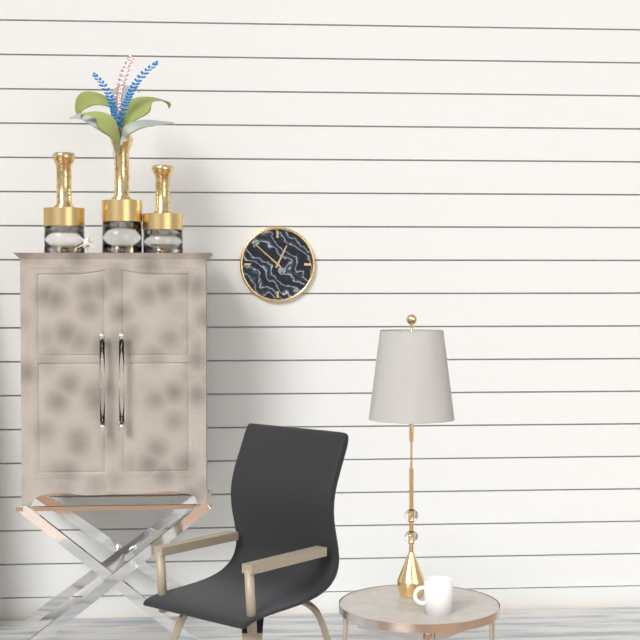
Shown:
12.52
